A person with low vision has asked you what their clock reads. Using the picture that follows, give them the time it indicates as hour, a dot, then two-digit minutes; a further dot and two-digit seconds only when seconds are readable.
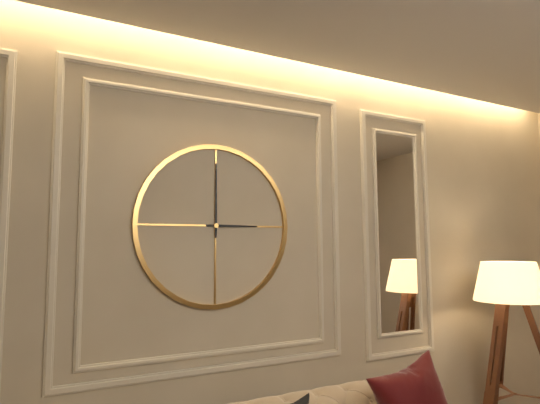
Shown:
3.00
